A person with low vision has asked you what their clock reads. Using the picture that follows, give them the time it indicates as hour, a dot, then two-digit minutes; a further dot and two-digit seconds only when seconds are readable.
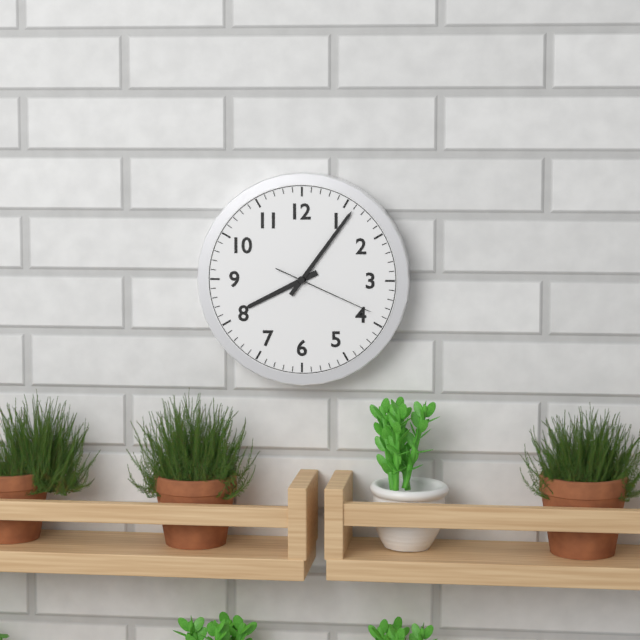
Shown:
8.06.19
